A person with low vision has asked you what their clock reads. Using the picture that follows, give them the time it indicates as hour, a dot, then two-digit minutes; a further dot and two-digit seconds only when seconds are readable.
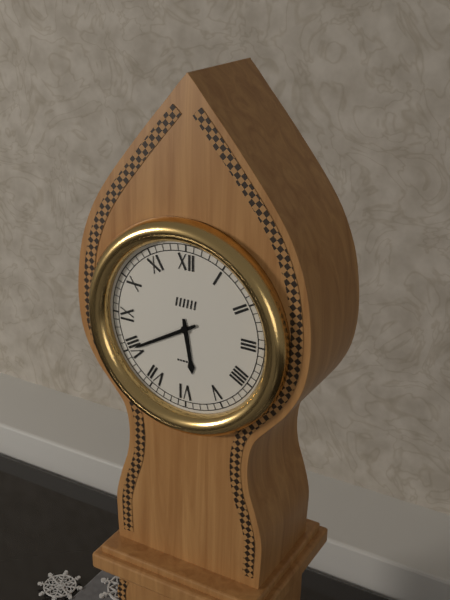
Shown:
5.40
